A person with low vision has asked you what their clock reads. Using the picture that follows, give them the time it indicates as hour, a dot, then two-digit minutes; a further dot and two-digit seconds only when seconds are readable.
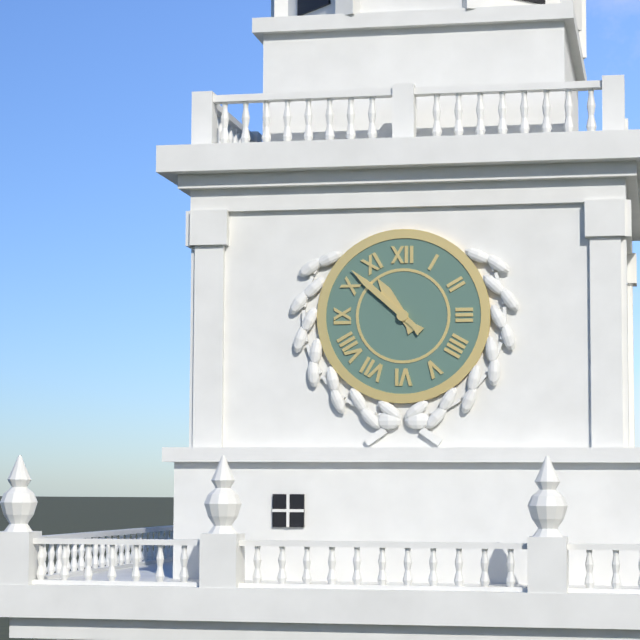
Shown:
10.52
